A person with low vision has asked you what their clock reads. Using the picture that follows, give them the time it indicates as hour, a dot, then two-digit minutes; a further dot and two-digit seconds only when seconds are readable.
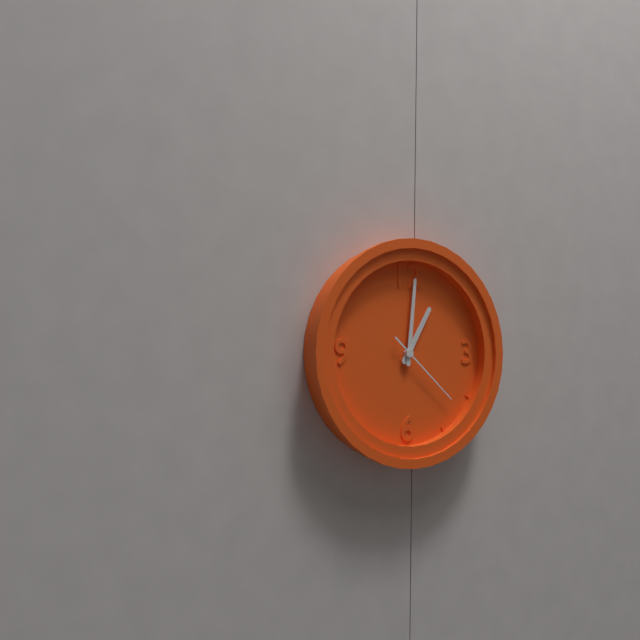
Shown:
1.01.22
